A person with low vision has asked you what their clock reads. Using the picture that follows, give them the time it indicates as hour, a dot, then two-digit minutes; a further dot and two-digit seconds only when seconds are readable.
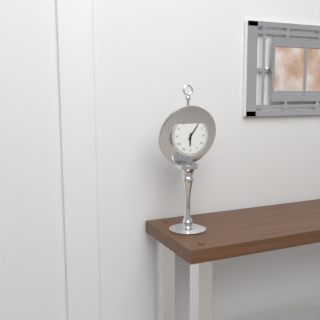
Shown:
6.06
